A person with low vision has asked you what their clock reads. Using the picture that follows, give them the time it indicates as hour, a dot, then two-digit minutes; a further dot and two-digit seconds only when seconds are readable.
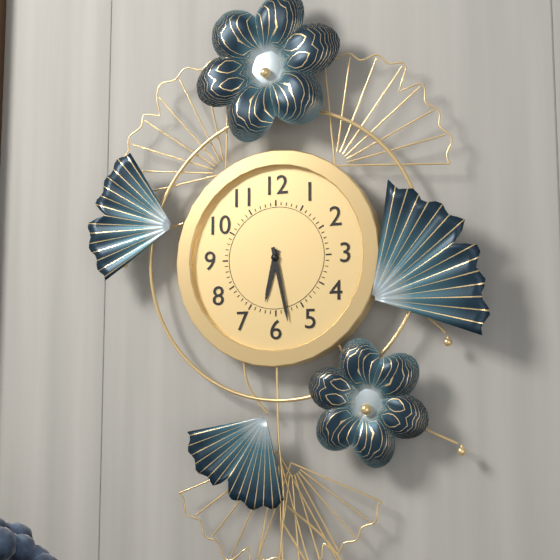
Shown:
6.28
